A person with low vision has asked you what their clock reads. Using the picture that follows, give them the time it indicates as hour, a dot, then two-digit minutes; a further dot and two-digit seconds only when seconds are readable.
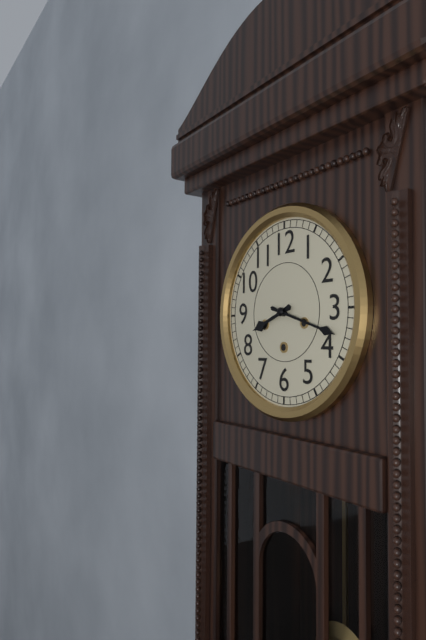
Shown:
8.18
